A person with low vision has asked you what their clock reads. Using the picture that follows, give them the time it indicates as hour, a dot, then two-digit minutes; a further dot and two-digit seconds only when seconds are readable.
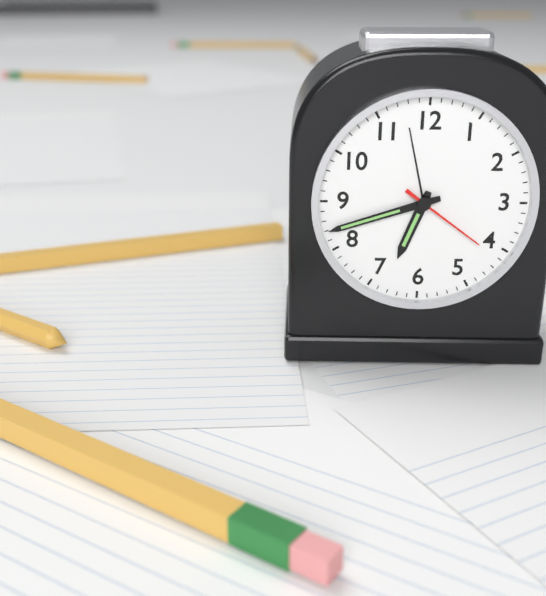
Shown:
6.42.21
